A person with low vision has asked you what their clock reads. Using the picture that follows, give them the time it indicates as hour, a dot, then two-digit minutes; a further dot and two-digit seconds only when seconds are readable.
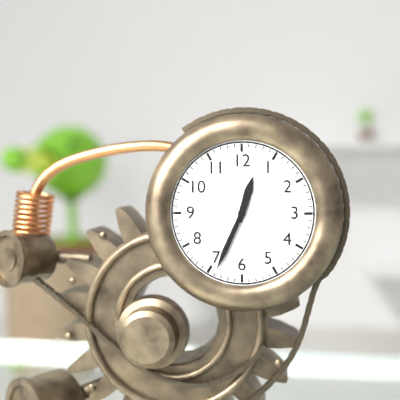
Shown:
12.34
